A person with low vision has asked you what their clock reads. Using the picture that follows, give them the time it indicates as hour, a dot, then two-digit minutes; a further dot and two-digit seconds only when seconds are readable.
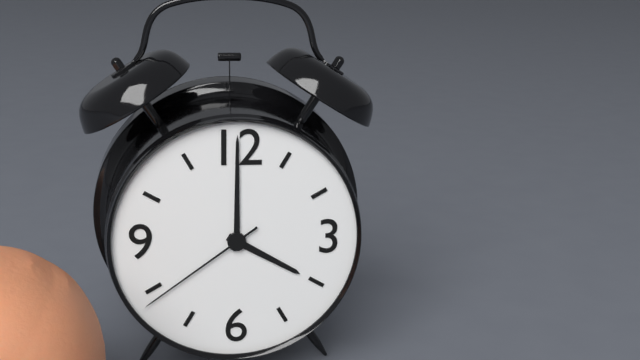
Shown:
4.00.39
